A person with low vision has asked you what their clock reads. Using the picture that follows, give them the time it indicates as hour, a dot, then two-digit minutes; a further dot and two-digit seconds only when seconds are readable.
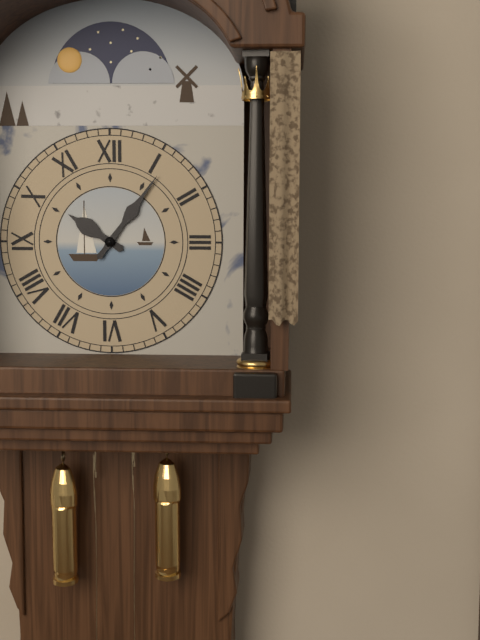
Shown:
10.06
